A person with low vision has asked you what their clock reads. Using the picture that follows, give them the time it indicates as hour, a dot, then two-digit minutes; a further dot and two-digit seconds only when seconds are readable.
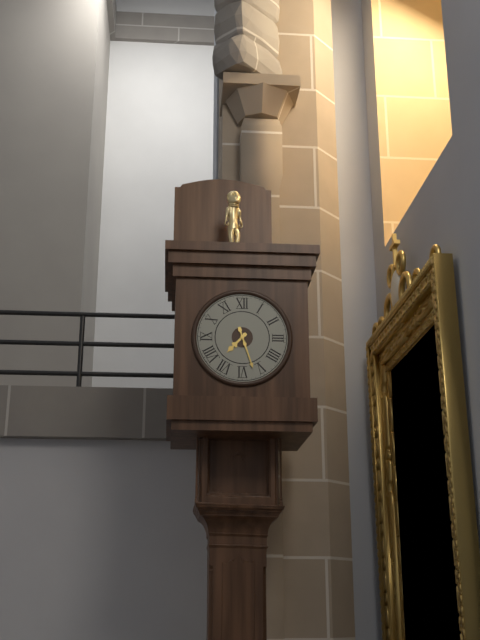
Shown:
7.27
